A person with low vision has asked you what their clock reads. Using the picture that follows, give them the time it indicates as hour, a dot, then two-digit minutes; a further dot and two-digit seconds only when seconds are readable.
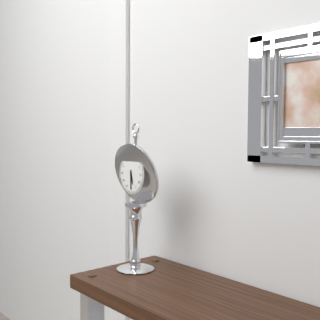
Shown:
5.30
